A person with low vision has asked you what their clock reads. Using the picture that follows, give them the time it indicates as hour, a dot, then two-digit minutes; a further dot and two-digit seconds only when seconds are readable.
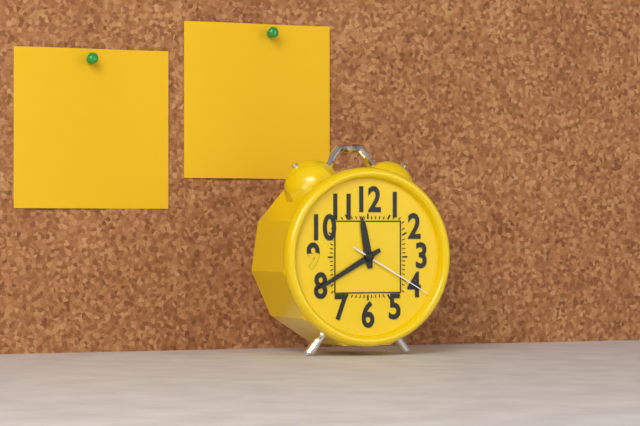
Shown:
11.40.20
